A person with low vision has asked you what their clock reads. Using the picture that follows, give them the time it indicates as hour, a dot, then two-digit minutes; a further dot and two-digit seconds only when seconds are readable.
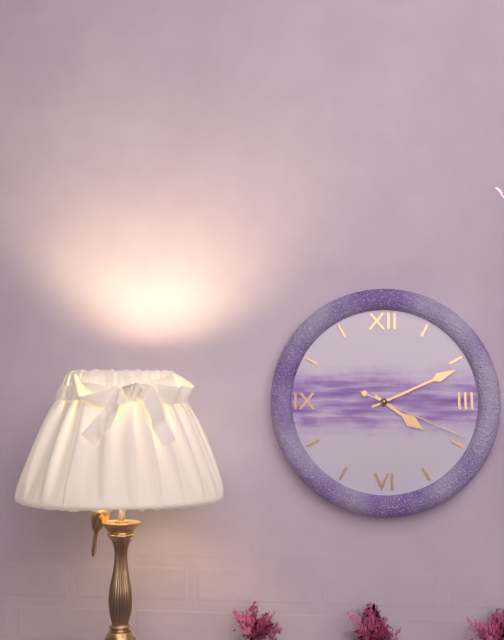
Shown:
4.11.19
